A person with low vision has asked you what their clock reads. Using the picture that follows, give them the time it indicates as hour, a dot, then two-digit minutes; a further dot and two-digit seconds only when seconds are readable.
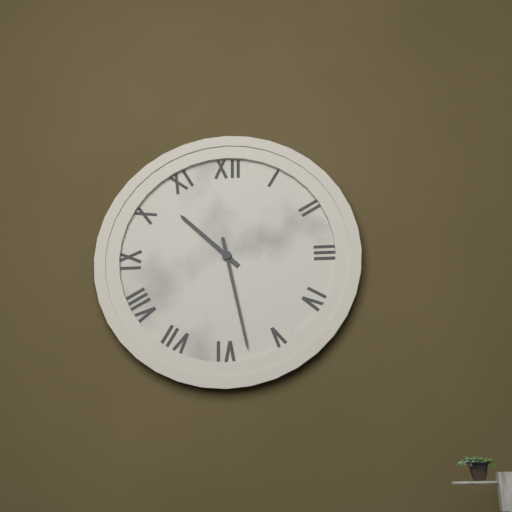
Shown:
10.28
